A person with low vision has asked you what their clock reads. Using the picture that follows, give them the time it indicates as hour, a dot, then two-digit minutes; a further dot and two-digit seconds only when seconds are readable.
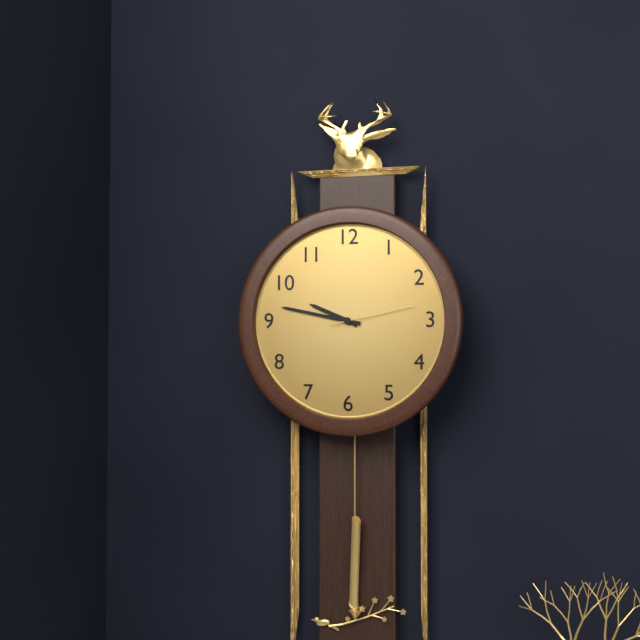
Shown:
9.47.13
